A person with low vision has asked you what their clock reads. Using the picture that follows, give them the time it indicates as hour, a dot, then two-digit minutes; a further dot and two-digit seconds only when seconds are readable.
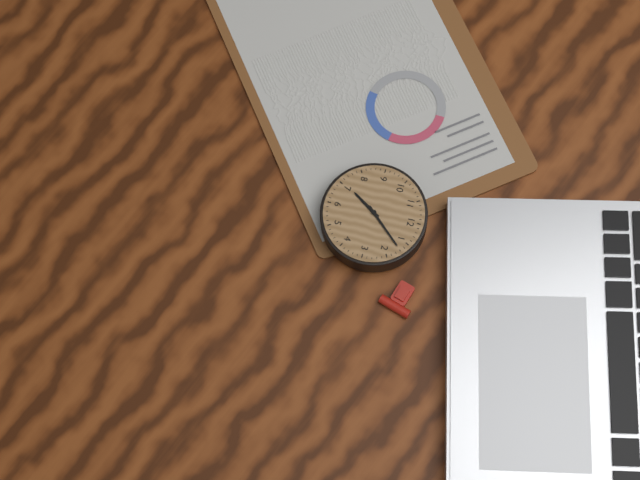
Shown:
7.07
